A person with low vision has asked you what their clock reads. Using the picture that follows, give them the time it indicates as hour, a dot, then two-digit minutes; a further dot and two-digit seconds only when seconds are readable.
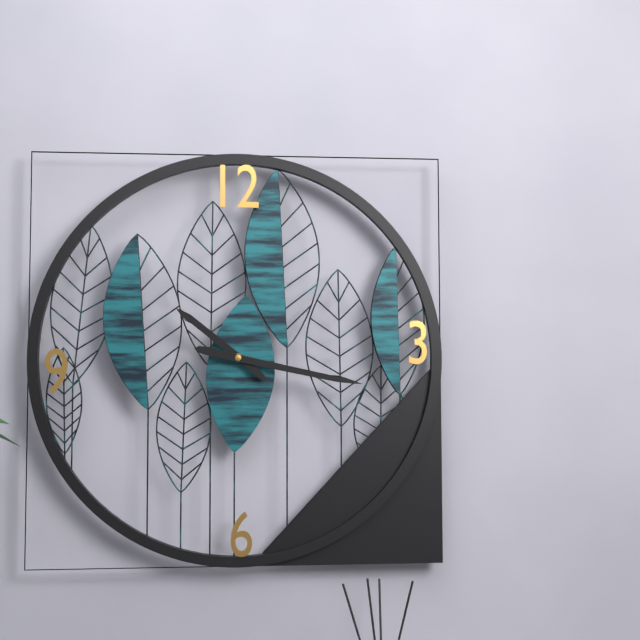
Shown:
10.17
